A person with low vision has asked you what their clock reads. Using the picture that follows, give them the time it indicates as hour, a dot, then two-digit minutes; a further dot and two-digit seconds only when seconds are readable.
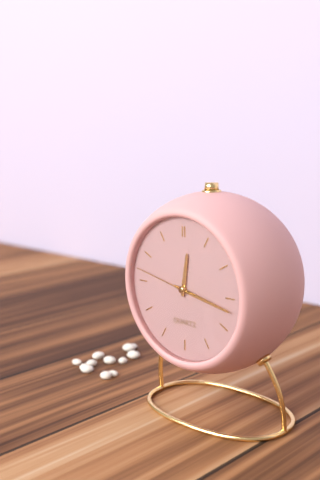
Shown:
12.17.47
